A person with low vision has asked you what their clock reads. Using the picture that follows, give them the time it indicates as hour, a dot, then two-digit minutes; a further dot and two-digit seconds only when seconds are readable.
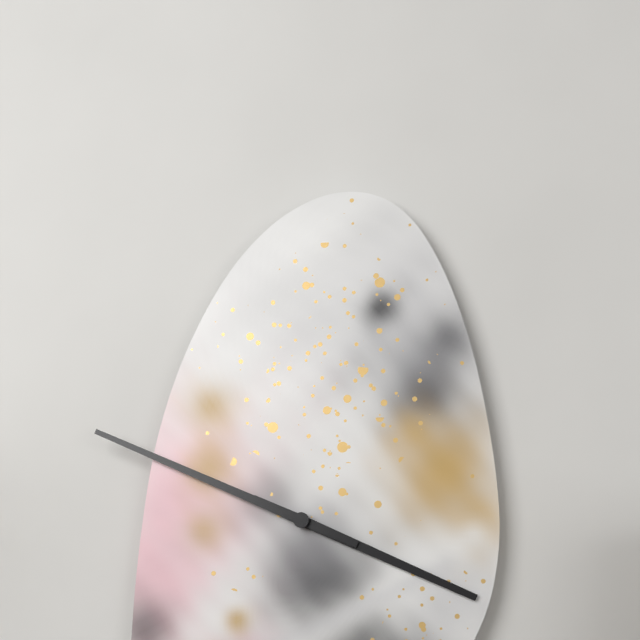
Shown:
3.49
